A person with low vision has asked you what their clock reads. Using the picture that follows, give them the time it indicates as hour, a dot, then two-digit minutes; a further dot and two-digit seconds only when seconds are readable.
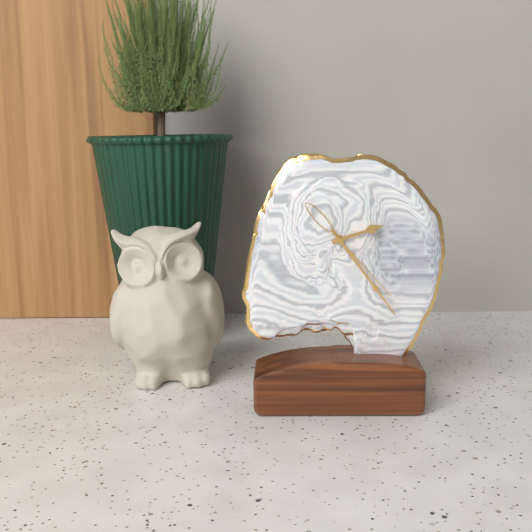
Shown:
2.24.23
